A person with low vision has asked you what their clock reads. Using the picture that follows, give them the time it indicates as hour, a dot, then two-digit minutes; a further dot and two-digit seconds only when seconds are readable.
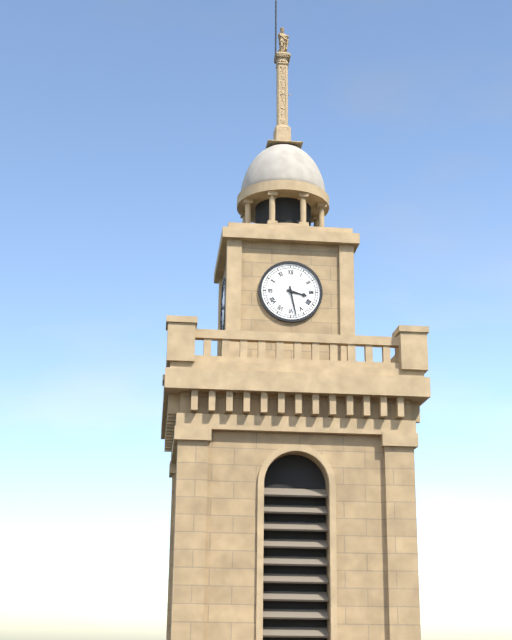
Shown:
3.28
